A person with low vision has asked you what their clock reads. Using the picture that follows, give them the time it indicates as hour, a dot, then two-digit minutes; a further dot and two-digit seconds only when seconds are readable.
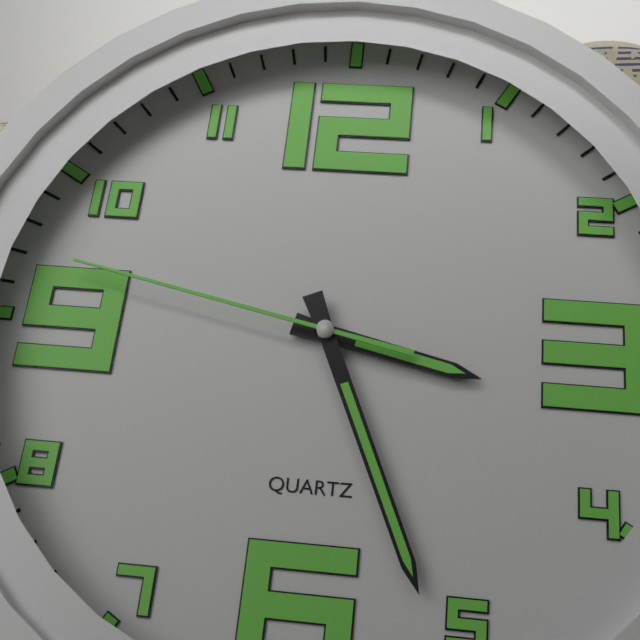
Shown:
3.26.47
